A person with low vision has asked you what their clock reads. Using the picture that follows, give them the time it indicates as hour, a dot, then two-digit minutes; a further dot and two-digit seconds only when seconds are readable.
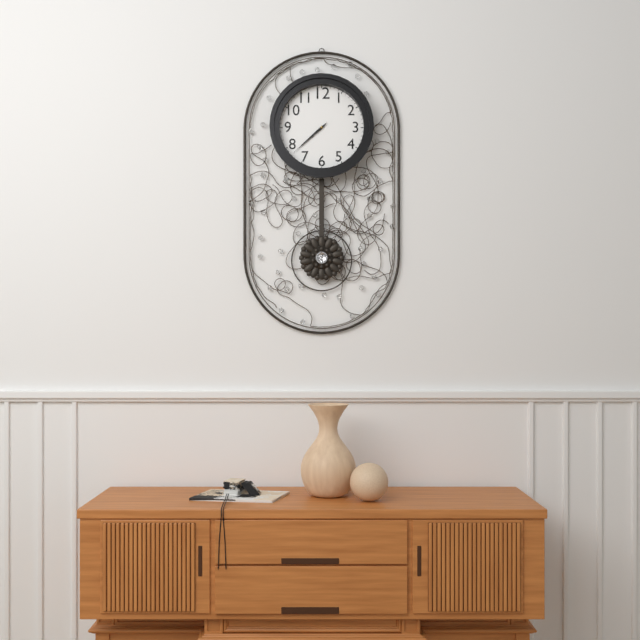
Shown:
7.38
